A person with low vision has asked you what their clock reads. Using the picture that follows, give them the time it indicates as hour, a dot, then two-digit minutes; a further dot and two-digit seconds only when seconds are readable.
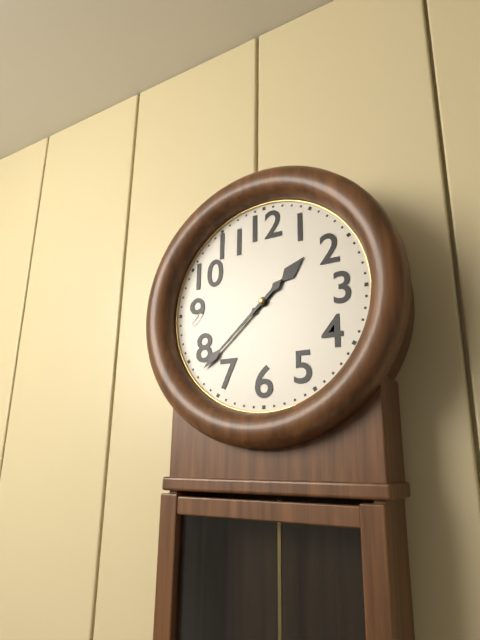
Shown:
1.38
